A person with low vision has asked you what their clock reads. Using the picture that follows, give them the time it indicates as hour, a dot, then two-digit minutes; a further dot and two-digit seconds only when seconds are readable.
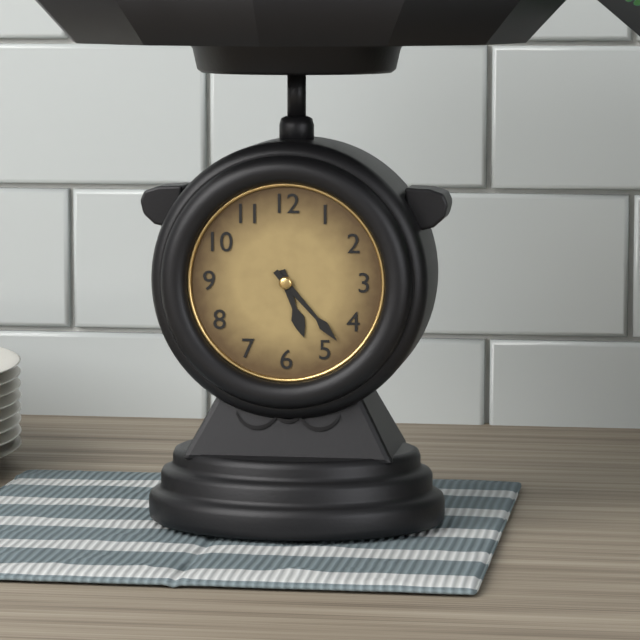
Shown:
5.23
